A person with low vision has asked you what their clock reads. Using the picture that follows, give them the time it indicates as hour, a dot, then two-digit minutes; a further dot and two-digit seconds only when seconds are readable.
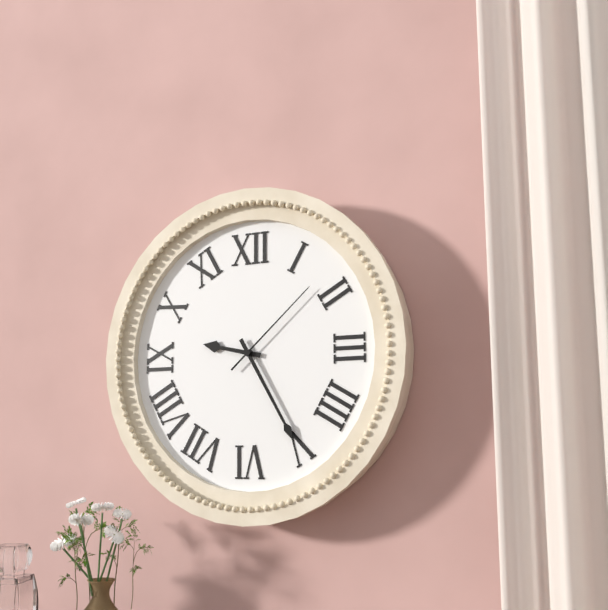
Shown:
9.25.08
